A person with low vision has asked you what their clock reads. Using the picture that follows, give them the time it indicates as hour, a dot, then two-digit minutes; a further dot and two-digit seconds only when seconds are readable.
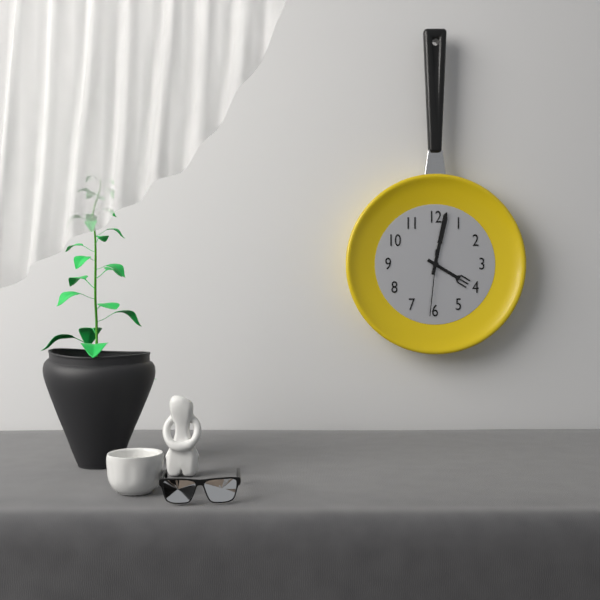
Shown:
4.02.31
